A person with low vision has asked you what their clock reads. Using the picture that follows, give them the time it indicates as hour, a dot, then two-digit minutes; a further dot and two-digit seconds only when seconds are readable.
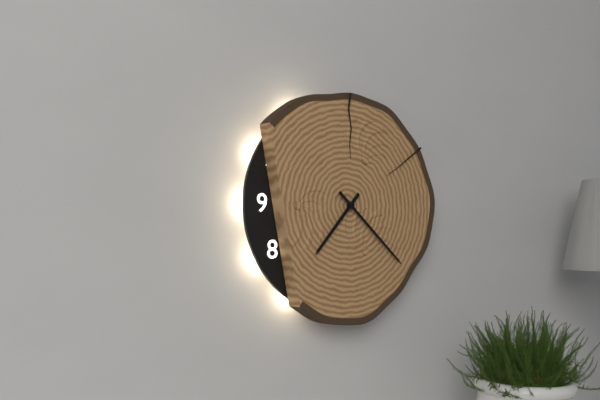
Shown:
7.22
